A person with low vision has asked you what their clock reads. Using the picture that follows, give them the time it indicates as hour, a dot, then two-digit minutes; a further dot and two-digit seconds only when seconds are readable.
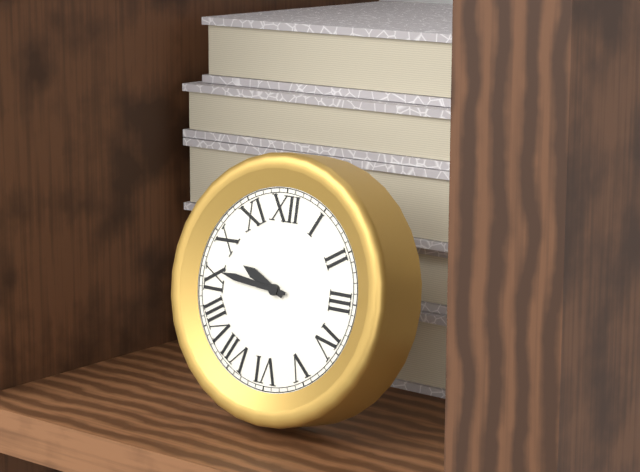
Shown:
9.46
